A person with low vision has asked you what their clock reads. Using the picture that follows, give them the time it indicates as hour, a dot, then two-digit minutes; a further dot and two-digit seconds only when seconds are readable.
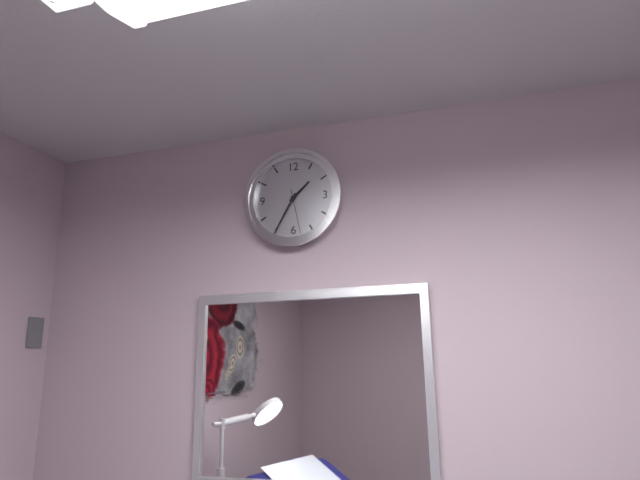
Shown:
1.35
